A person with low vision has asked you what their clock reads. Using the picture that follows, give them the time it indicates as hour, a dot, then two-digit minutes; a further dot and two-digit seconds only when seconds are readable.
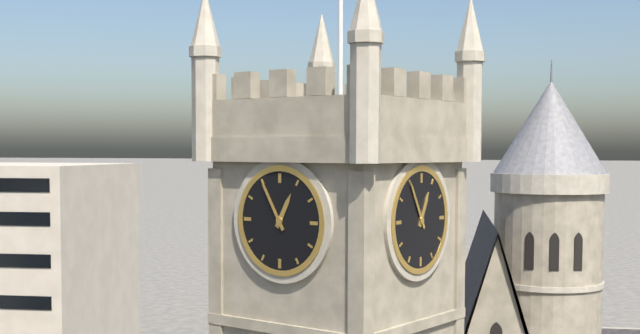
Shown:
12.55
